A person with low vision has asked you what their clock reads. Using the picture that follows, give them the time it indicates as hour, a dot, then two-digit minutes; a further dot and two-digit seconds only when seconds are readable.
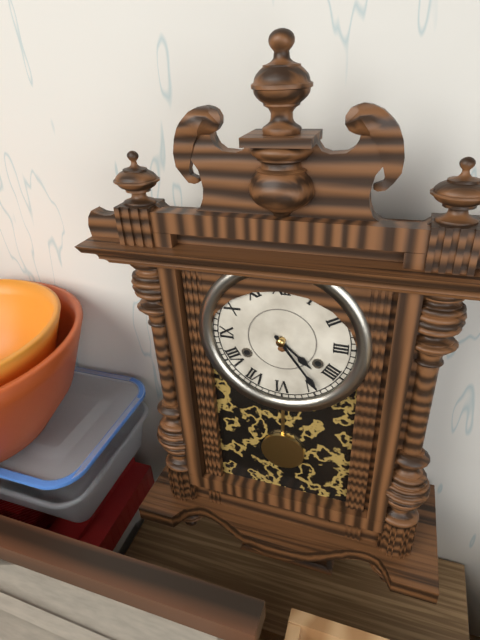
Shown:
4.24
